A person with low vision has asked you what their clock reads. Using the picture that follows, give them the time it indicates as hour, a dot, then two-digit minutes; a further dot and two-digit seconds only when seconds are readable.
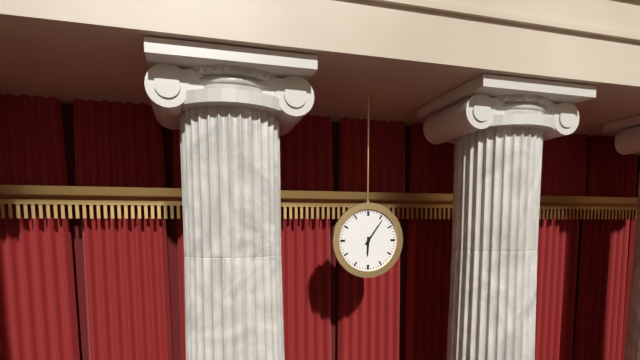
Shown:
6.06
